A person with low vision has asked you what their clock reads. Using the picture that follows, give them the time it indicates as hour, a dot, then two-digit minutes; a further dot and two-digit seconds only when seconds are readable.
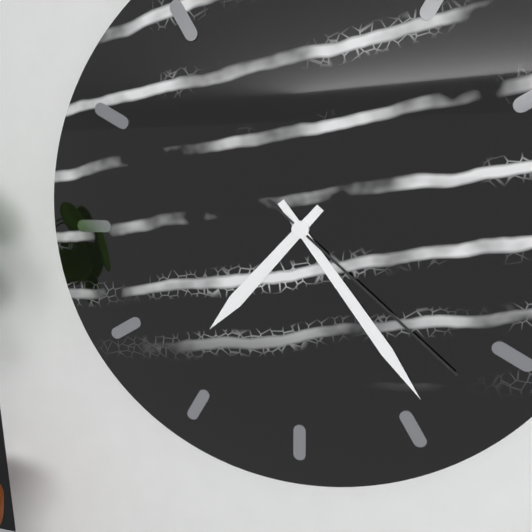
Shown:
7.24.22
